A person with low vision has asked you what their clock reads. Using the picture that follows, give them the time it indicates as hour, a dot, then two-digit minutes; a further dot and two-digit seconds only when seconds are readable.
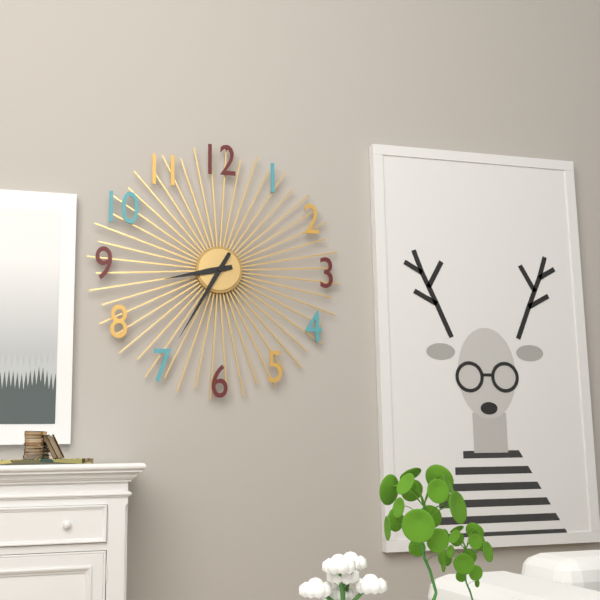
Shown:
8.35
